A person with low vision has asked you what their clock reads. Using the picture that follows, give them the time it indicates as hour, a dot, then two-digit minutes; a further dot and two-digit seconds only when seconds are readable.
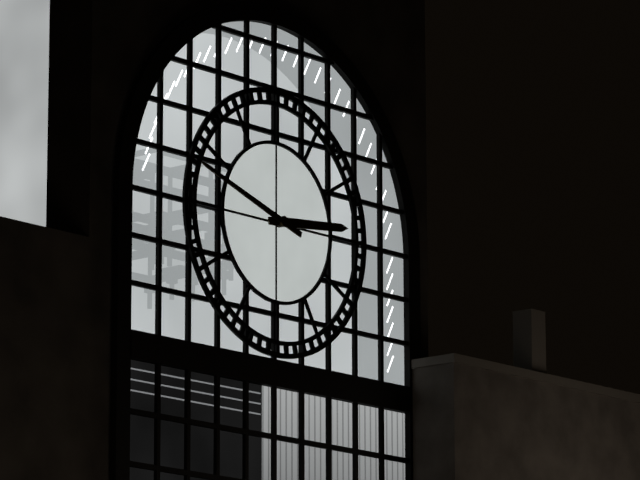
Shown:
2.48
